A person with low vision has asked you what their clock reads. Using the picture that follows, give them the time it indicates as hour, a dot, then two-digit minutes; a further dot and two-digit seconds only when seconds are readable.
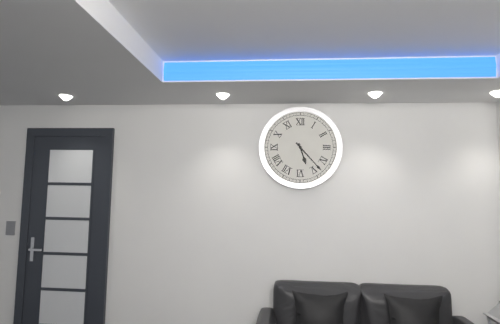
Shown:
5.23
